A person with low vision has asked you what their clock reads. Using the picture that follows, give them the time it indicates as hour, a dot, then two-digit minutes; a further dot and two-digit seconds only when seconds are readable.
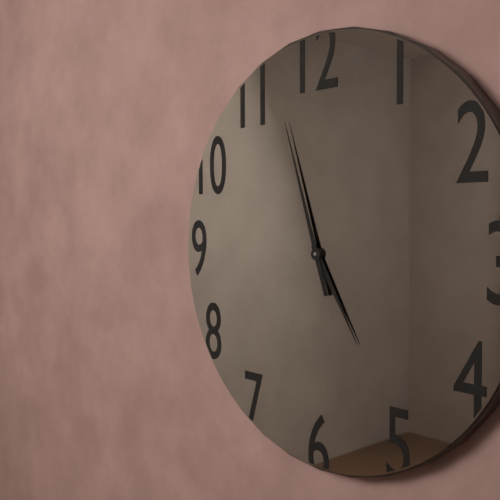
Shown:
4.57
